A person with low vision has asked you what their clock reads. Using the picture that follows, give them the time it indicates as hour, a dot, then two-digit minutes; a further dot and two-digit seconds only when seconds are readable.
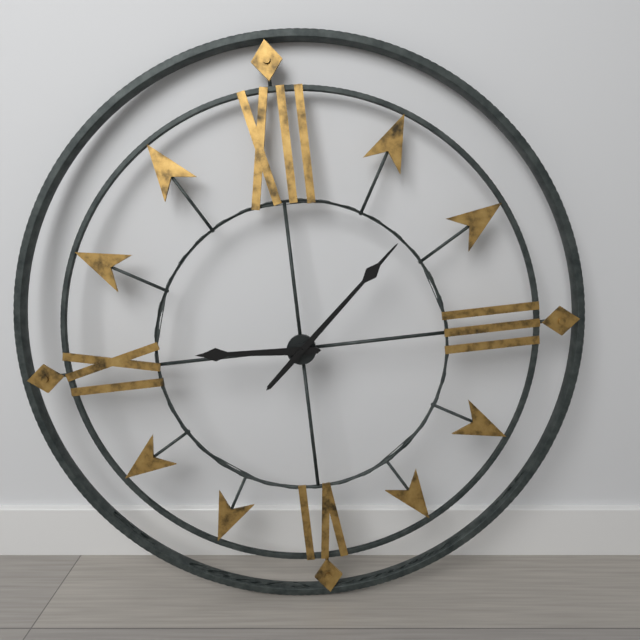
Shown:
9.08
